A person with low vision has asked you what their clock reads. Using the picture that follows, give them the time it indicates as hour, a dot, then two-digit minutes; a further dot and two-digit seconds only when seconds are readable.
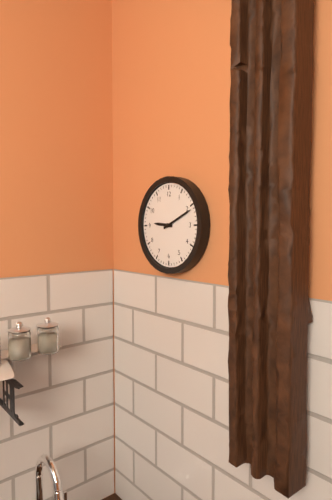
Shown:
9.11
